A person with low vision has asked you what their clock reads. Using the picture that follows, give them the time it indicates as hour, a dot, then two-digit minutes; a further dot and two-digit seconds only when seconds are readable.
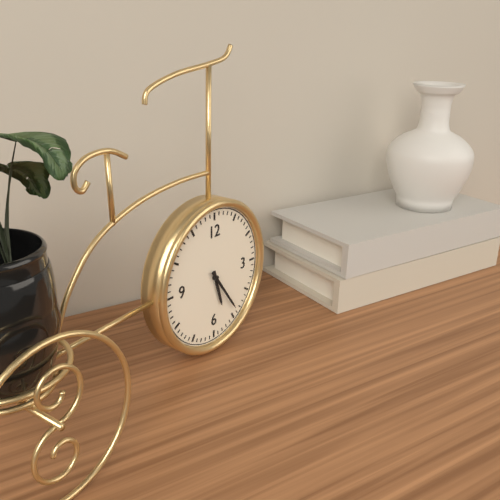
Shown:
5.24
